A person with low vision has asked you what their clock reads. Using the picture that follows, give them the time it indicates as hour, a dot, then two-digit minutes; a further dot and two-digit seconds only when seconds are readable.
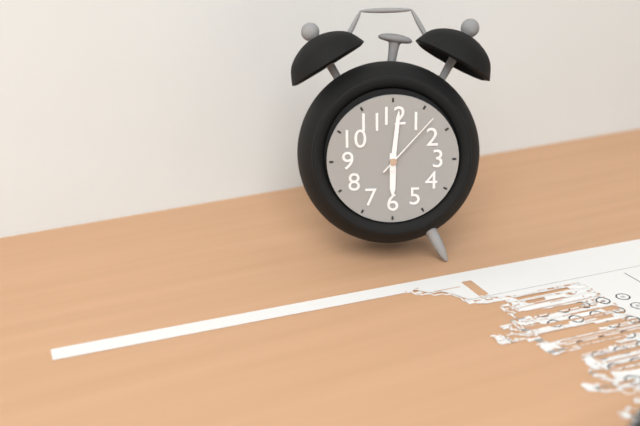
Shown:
6.01.07
